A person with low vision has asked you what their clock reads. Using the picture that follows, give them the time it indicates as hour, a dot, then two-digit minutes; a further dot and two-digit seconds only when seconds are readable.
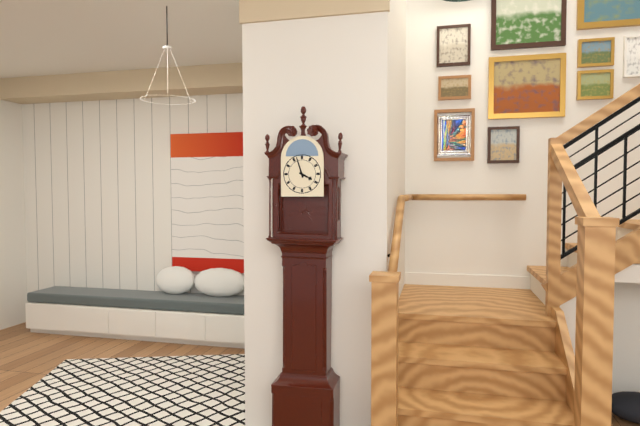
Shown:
3.57
